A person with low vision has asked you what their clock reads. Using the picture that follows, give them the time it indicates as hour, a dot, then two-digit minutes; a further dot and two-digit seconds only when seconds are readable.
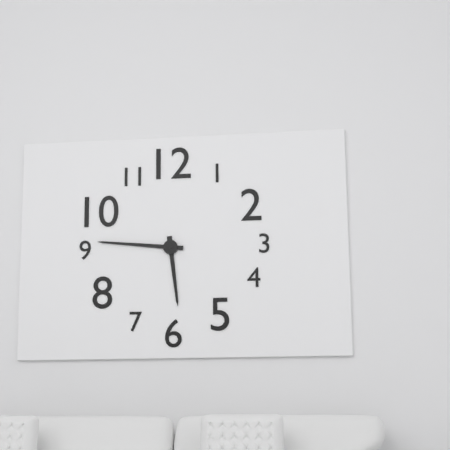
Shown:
5.46
